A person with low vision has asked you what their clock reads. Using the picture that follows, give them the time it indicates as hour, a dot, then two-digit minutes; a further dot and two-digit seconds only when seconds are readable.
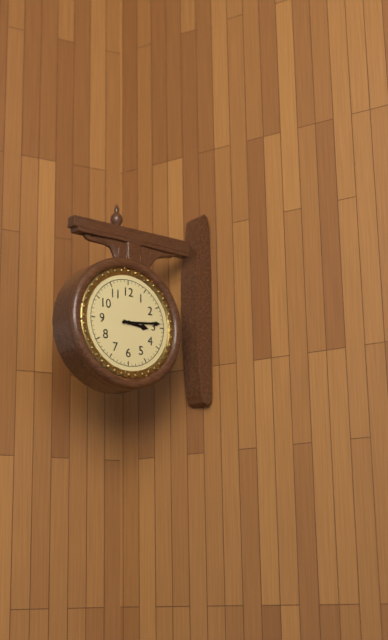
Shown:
3.14
